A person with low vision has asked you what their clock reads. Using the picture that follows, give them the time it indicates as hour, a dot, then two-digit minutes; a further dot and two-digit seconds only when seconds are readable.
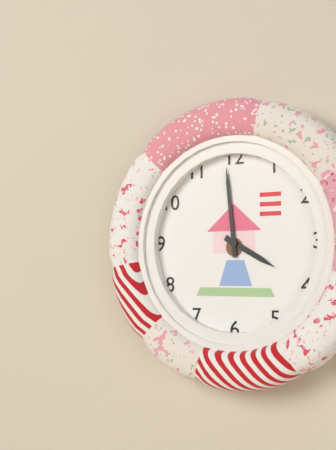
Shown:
3.59
